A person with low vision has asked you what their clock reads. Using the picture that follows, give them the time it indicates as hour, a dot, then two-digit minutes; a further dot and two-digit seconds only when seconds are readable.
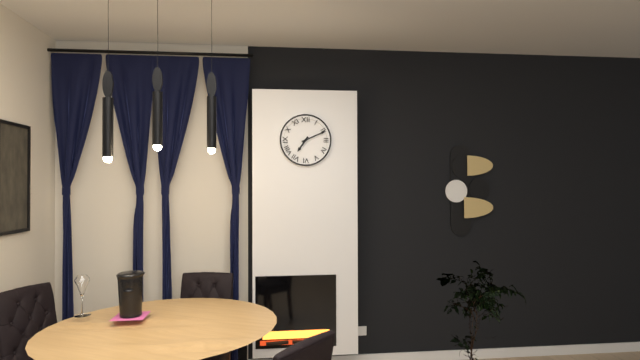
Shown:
7.11
